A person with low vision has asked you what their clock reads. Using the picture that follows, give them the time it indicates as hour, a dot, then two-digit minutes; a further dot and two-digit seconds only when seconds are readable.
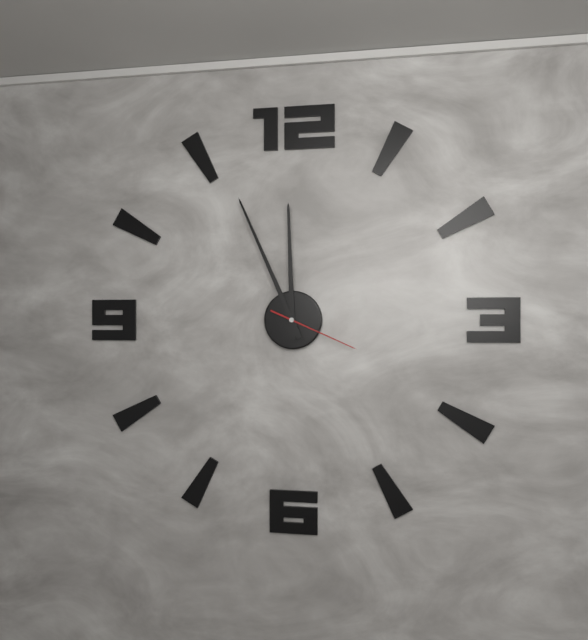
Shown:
11.56.19
